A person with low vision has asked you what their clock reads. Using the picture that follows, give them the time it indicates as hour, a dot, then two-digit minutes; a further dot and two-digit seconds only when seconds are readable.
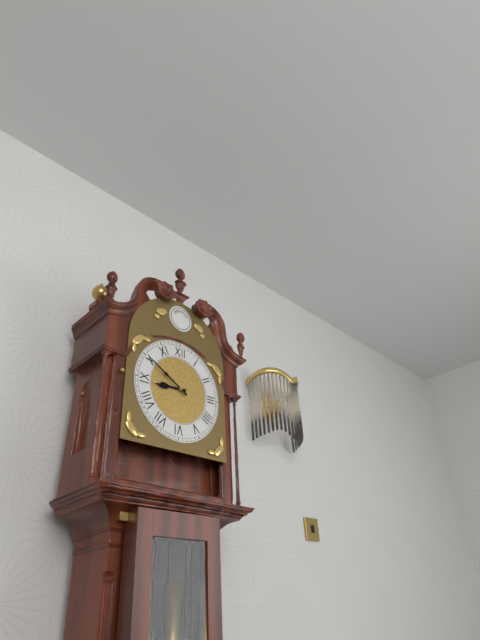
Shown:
8.50
